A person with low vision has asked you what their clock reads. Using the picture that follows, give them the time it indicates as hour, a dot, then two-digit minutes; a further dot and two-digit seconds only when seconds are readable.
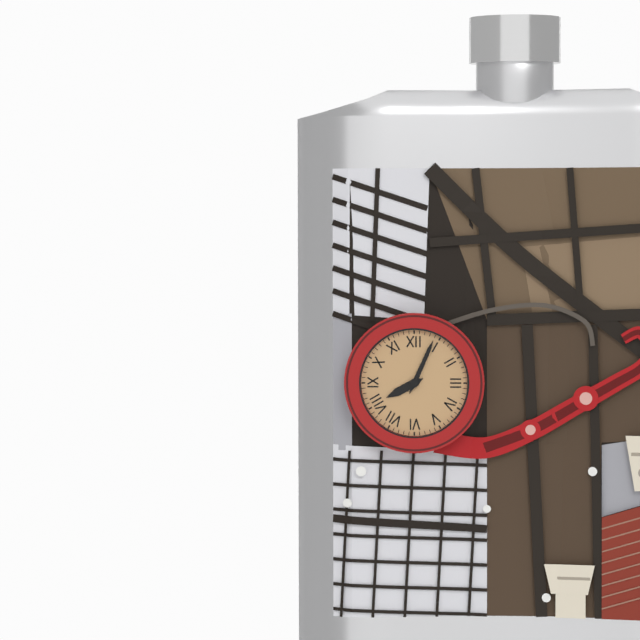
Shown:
8.04
